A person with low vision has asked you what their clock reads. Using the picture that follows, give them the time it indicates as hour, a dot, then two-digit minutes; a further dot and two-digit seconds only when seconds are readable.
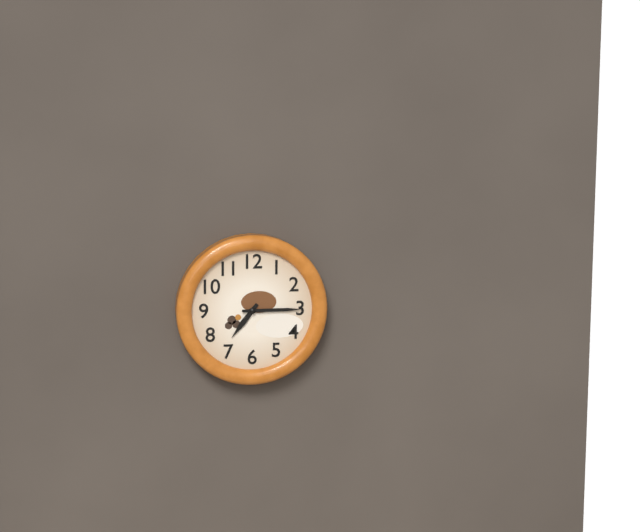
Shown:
7.15
